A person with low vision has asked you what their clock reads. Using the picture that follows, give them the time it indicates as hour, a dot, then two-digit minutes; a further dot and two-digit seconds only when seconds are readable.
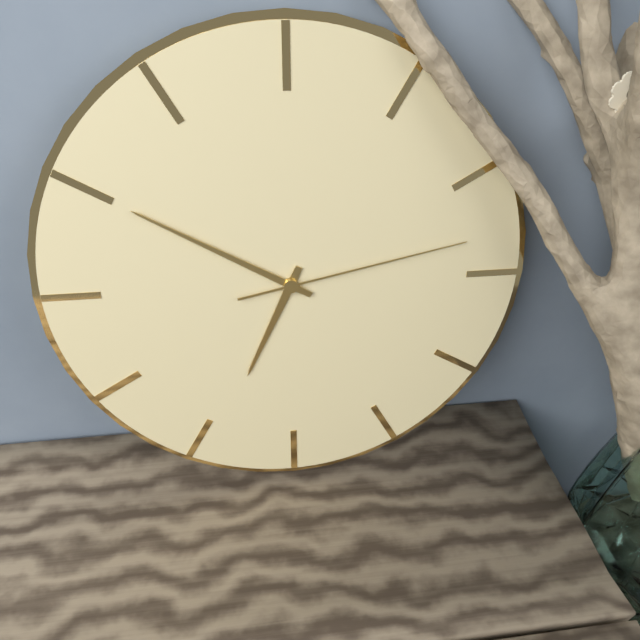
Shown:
6.50.13
